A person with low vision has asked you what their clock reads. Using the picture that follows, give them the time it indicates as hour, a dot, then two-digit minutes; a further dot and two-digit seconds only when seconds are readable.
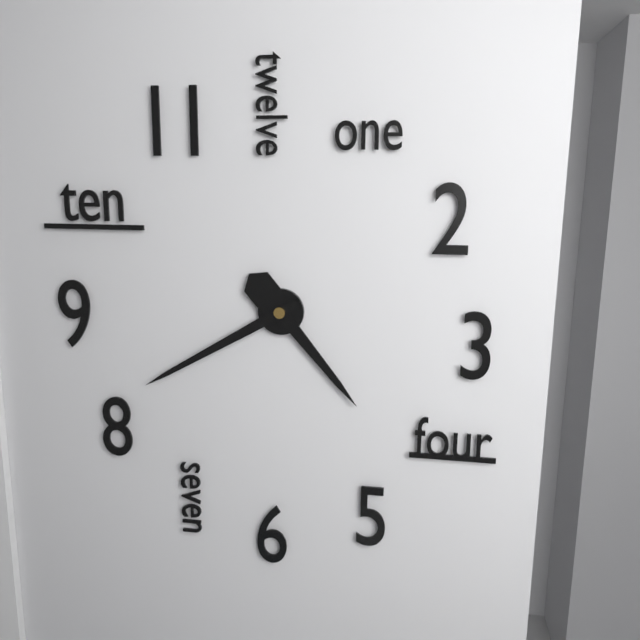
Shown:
4.40
